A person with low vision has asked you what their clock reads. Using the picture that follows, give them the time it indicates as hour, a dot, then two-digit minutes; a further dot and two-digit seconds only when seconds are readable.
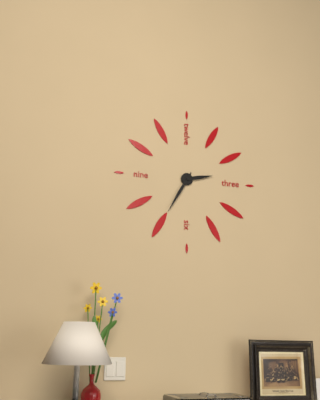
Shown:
2.35
